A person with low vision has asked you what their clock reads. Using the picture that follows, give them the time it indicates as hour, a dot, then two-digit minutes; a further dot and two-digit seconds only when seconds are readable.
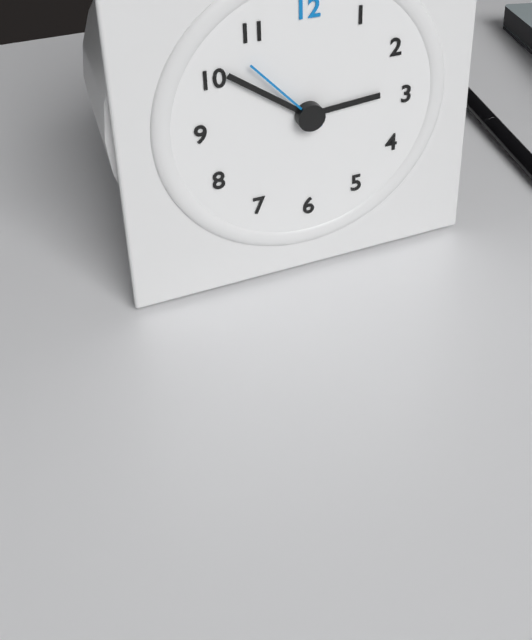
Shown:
2.51.53
